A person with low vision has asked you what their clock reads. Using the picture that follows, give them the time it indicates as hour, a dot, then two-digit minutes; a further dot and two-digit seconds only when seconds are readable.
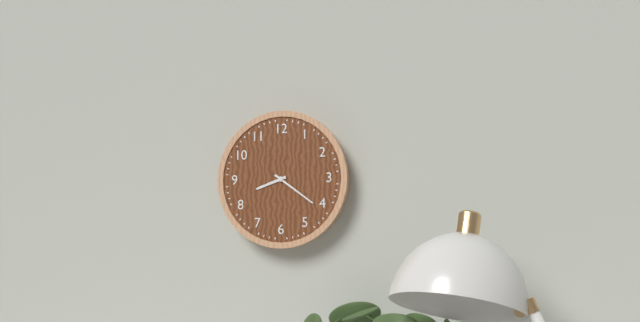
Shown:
8.21
